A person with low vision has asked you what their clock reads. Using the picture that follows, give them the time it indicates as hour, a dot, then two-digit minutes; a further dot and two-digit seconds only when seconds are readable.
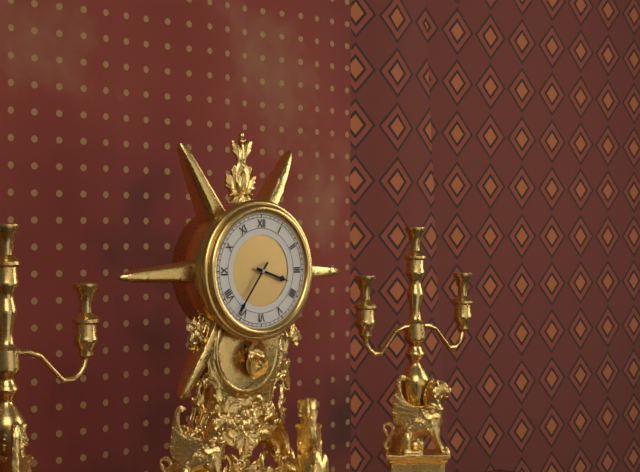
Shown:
3.36
